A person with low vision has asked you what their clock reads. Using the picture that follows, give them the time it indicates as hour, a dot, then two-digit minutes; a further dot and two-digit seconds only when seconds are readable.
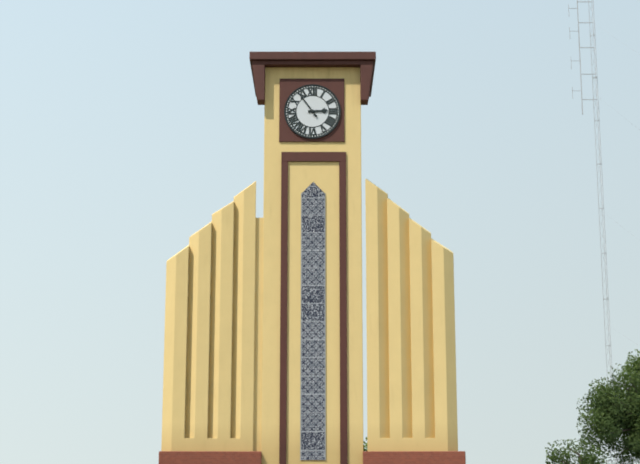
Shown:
2.54
